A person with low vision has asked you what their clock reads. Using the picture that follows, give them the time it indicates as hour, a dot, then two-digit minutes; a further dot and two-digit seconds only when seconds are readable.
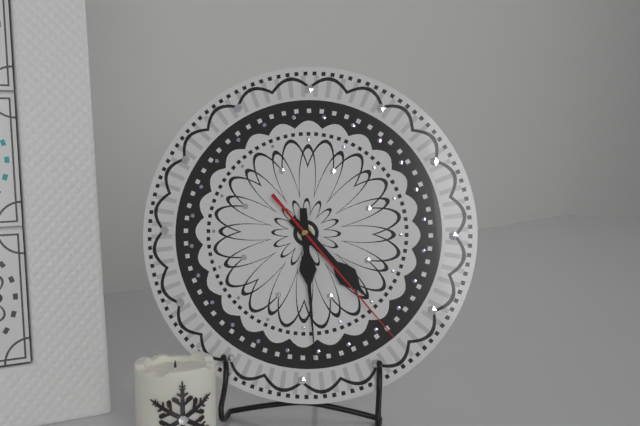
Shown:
4.29.23
